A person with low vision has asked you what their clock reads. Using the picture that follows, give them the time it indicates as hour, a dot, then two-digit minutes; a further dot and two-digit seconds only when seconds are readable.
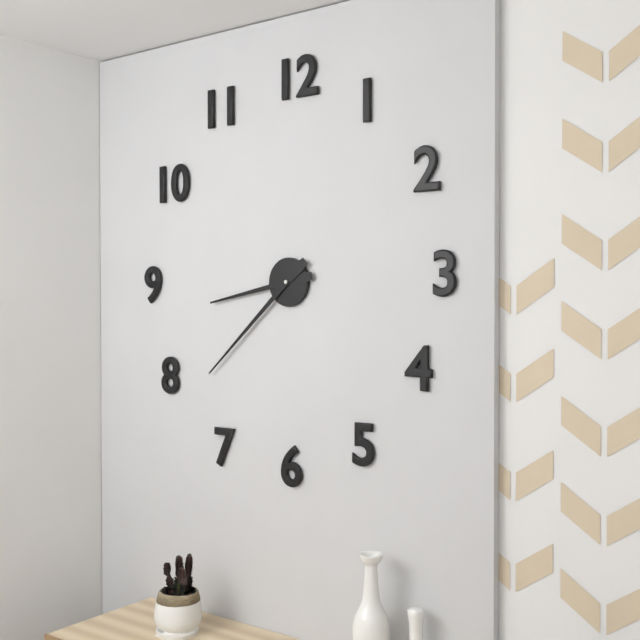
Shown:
8.38
